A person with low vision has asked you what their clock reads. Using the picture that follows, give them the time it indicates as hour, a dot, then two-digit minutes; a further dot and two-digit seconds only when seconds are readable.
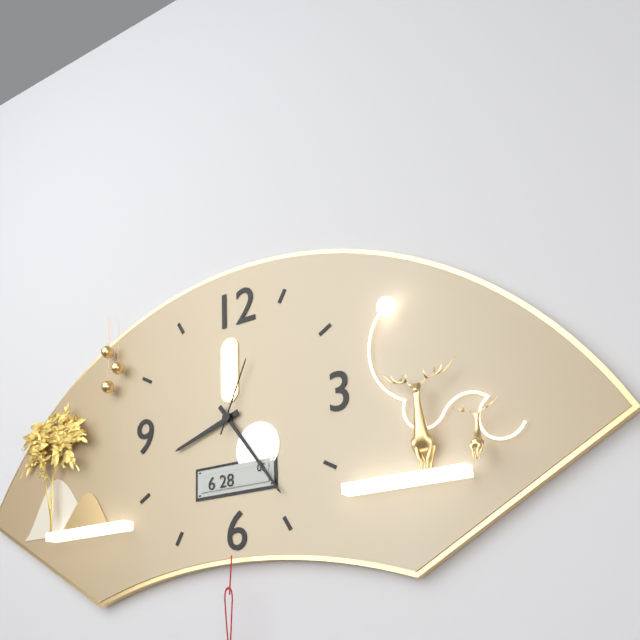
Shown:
8.24.04
